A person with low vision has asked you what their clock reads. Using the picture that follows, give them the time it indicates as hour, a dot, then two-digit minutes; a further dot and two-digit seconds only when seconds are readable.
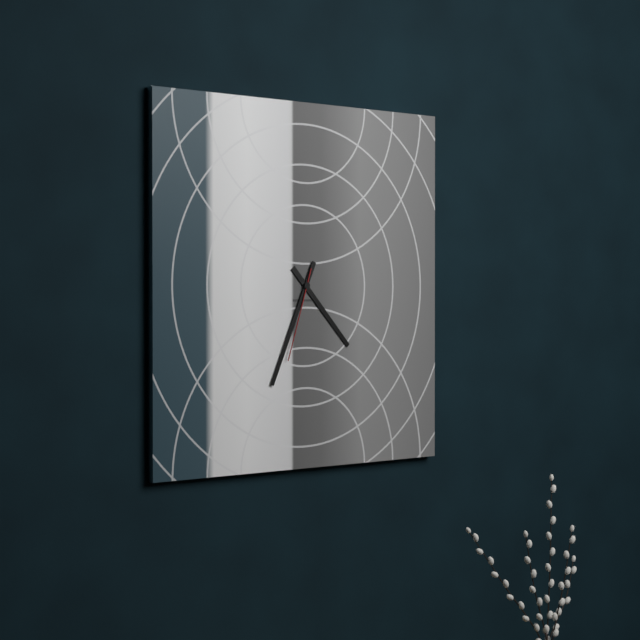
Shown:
4.34.33
